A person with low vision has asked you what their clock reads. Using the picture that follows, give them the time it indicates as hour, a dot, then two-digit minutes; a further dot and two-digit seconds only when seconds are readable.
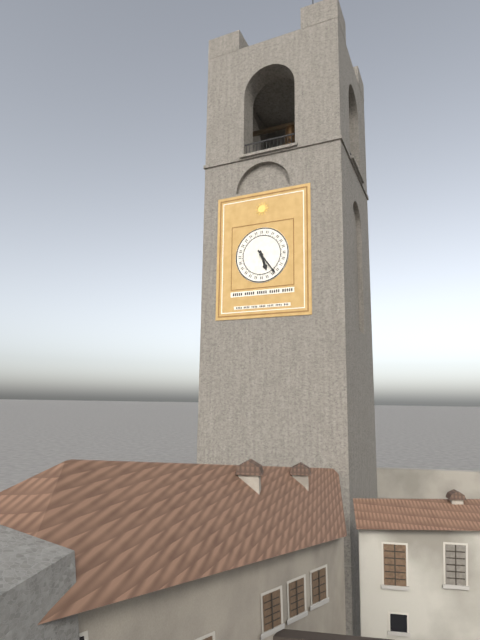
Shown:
5.24
